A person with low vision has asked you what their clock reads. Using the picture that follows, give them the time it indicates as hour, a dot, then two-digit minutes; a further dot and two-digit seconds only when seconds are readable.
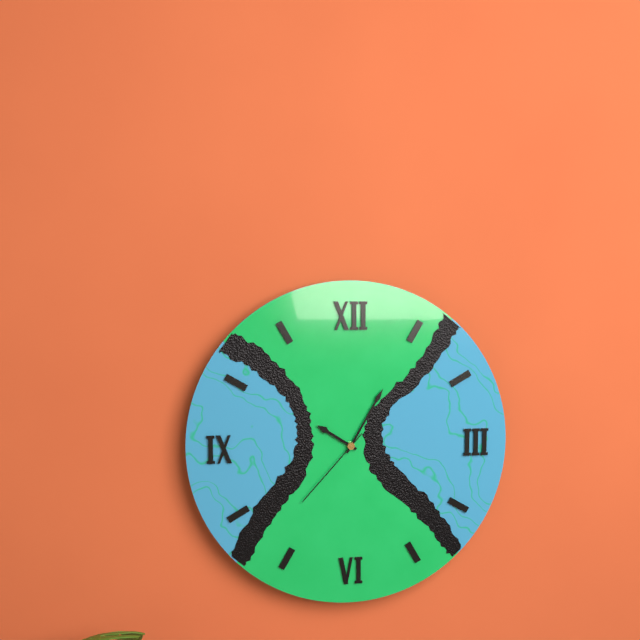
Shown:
10.05.37
